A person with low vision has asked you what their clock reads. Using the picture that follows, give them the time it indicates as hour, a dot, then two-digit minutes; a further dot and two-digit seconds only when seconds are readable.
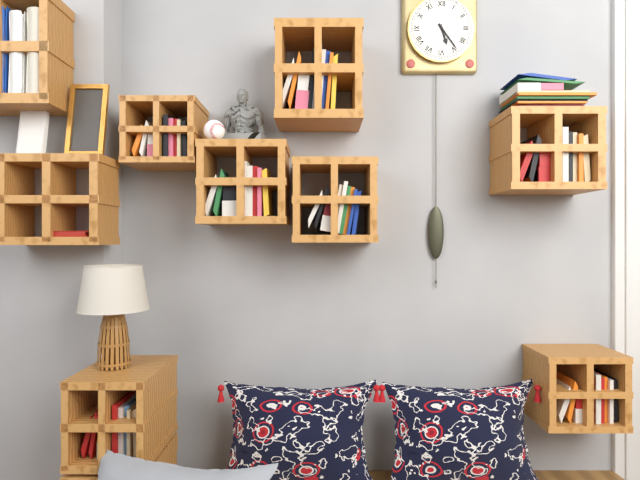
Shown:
5.24
